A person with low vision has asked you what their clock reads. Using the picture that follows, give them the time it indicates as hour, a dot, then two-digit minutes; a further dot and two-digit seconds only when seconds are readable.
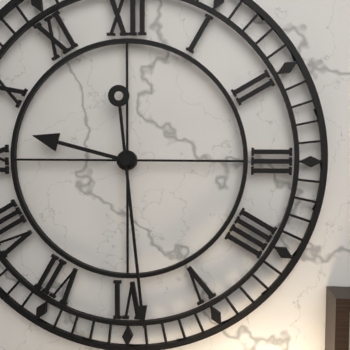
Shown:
9.29
